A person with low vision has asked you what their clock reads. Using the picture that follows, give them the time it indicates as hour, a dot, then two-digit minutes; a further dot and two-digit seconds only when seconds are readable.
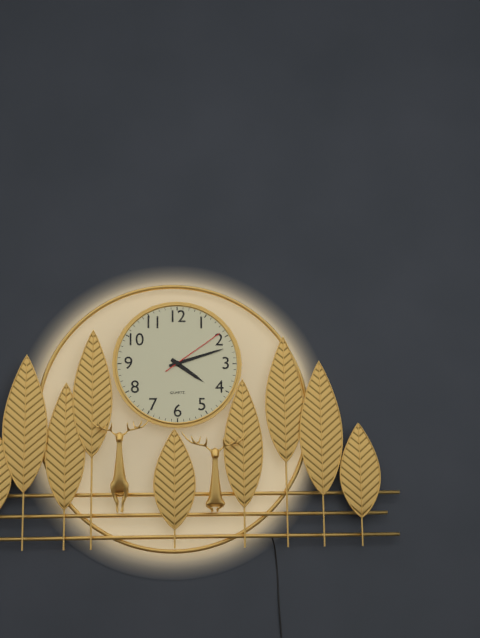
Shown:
4.12.09
